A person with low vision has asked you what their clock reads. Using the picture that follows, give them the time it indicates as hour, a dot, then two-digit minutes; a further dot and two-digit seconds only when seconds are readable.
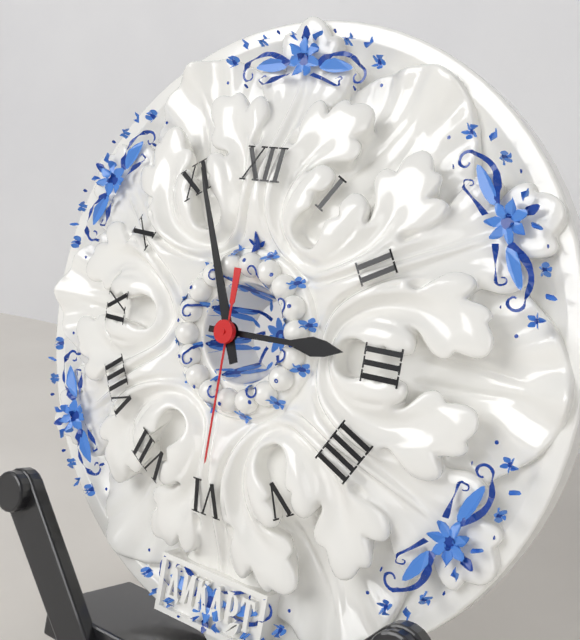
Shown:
2.56.30
